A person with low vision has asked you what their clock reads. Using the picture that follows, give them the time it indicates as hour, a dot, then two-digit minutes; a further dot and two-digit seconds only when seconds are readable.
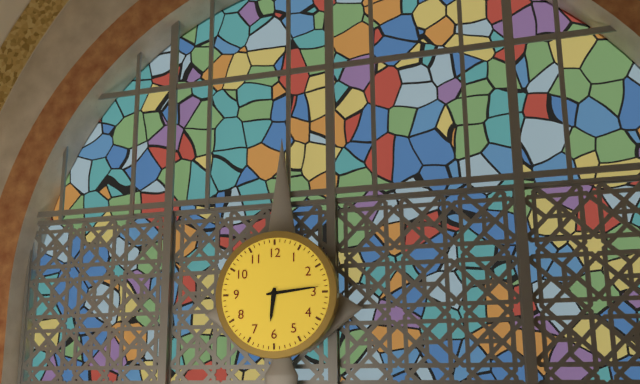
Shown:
6.14
